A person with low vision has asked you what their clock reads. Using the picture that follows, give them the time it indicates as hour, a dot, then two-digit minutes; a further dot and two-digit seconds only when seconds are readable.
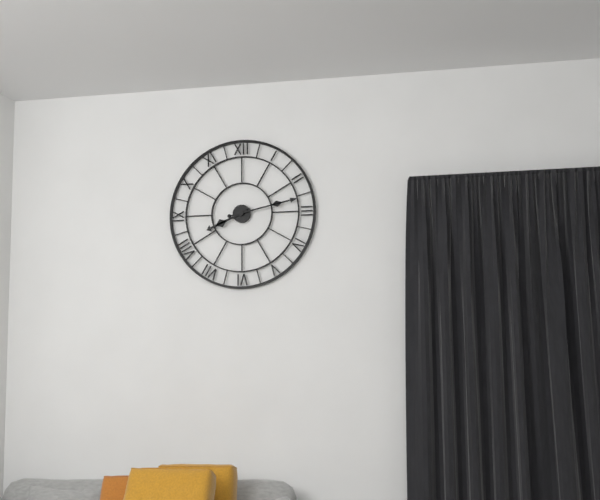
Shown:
8.13
